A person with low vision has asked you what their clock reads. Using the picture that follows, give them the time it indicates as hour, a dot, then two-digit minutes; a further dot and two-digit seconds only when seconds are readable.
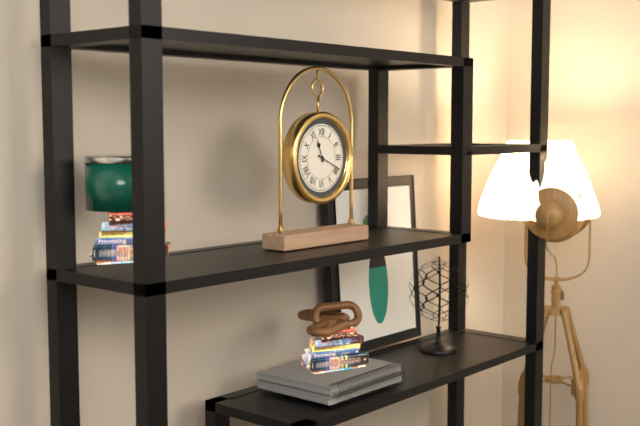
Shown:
11.19
